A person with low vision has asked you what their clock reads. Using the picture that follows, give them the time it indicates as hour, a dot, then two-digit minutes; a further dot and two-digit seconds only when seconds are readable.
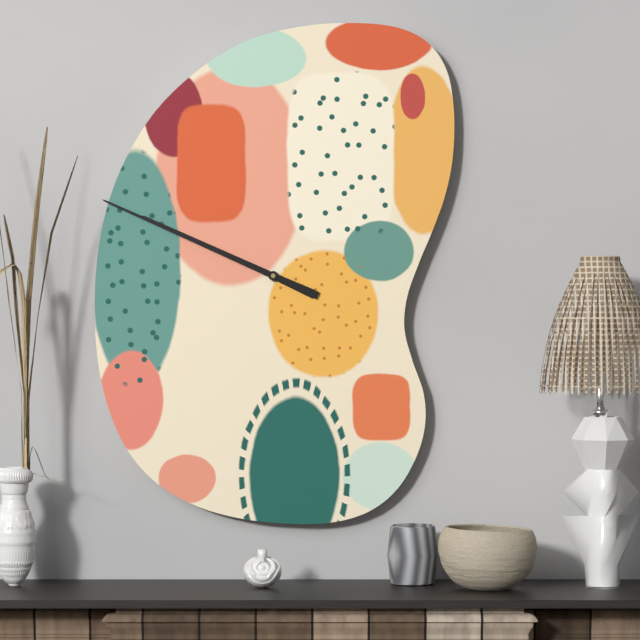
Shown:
9.49
